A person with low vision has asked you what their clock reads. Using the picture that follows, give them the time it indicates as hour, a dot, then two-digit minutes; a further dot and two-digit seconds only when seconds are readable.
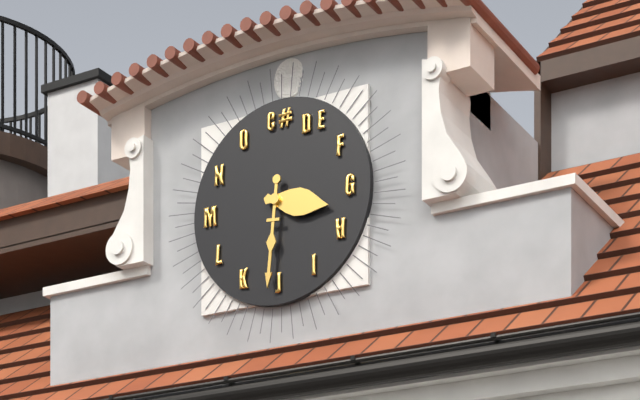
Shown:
3.31
